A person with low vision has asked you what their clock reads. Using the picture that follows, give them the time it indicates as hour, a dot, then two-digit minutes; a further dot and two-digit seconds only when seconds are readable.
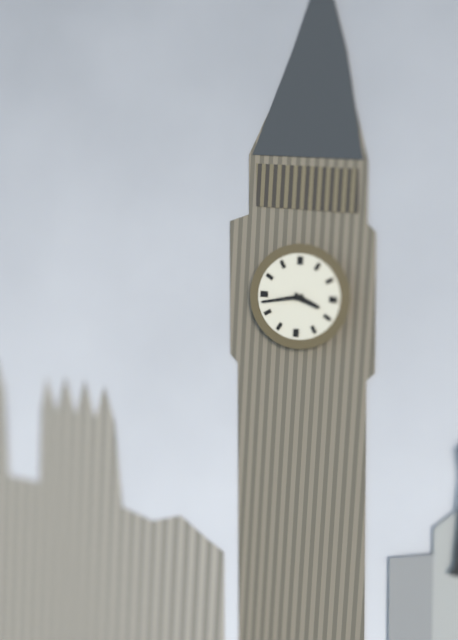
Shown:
3.43
